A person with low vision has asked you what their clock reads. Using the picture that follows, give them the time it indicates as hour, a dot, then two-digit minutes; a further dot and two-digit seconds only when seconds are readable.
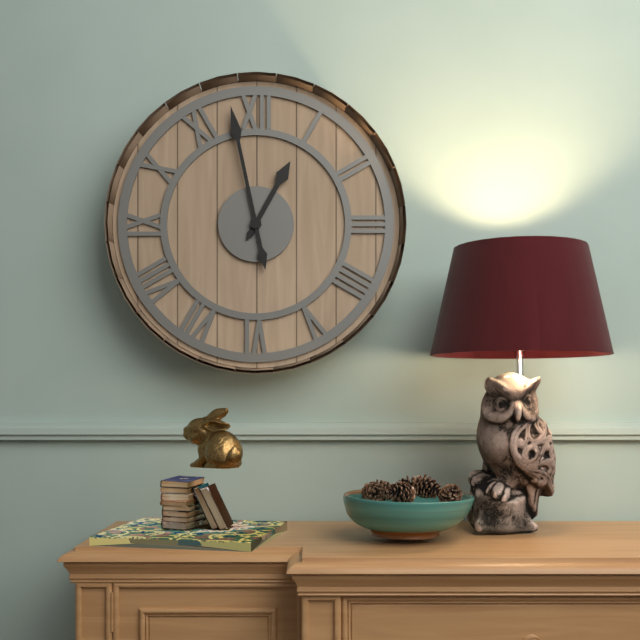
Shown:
12.58
